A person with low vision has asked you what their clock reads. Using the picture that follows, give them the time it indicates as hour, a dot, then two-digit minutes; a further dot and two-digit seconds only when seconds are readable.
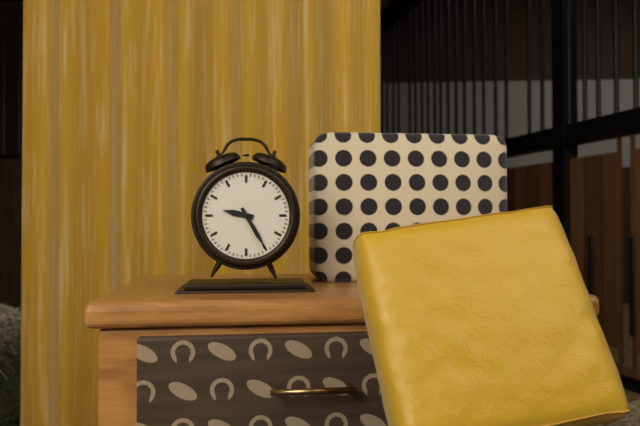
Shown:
9.25
